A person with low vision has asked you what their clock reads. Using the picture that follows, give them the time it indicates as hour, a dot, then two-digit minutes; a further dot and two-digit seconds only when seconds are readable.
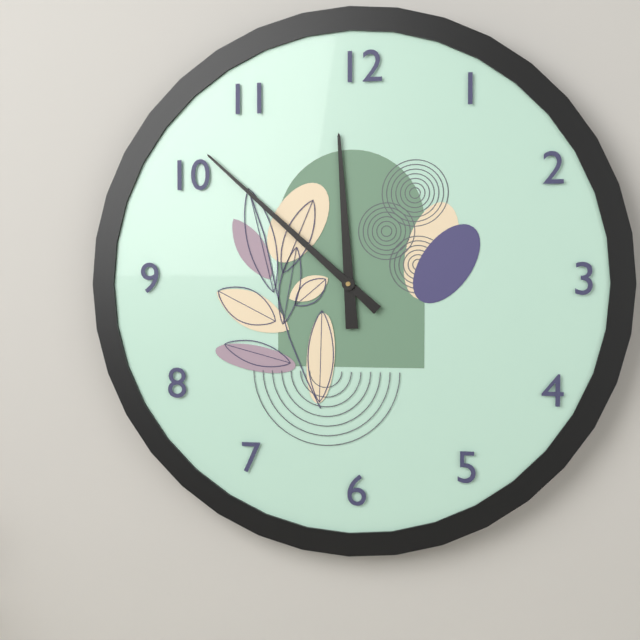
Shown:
11.52
